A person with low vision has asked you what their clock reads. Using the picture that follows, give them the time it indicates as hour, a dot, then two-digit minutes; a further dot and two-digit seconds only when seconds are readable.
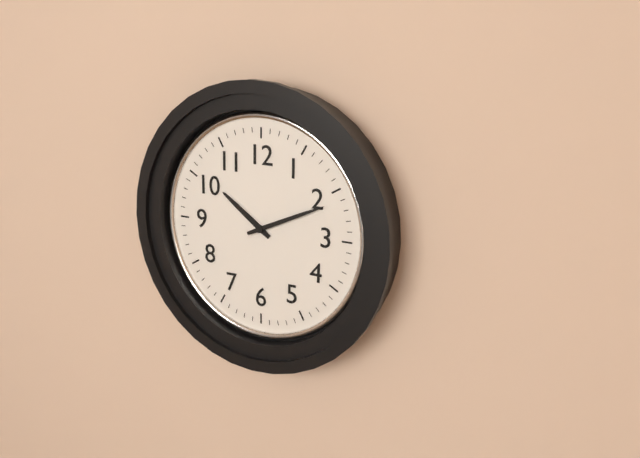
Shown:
10.11
